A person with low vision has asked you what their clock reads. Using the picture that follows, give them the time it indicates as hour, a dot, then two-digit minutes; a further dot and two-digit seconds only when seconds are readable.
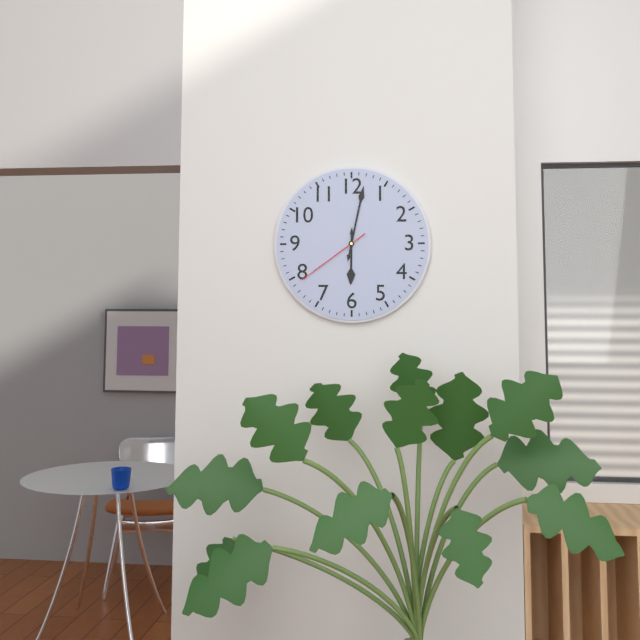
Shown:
6.02.39
